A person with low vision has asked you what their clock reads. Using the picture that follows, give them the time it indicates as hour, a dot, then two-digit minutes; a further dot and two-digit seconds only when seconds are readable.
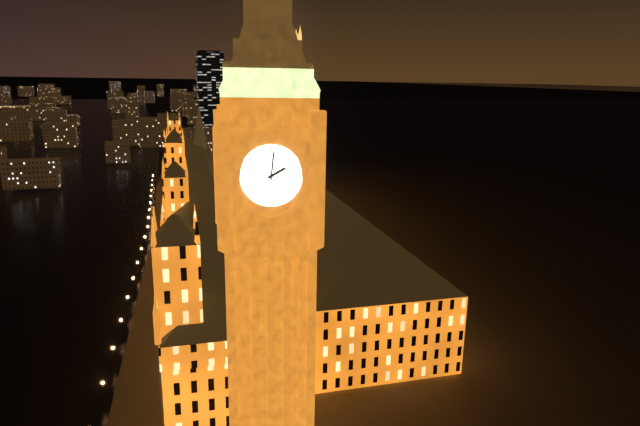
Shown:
2.01
